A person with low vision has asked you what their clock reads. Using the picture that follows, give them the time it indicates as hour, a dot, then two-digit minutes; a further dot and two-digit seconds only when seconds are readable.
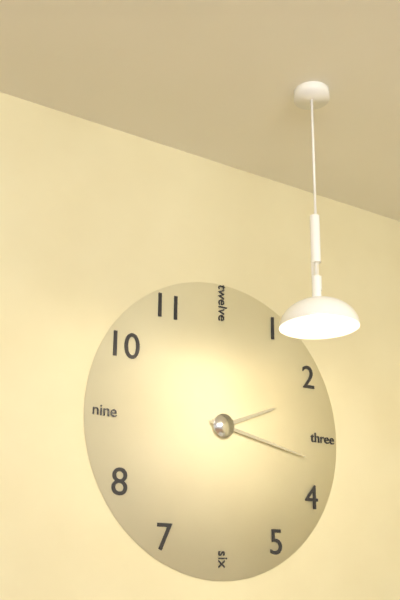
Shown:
2.17
